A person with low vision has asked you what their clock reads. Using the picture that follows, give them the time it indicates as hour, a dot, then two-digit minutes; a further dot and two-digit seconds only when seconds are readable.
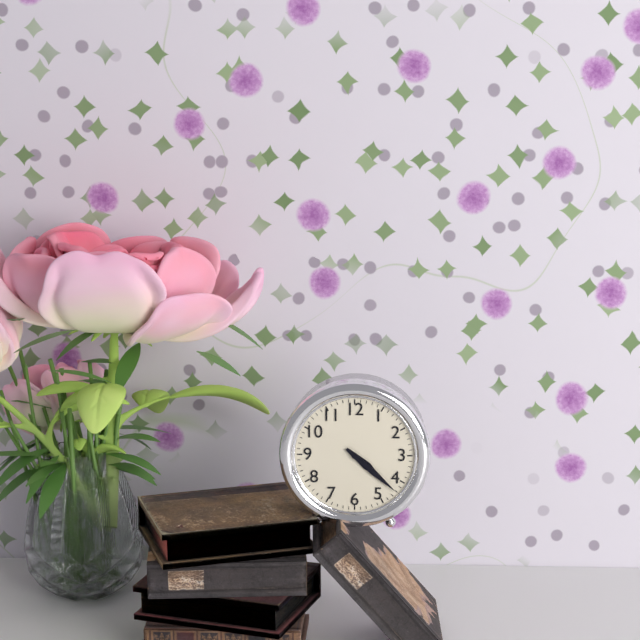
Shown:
4.22
